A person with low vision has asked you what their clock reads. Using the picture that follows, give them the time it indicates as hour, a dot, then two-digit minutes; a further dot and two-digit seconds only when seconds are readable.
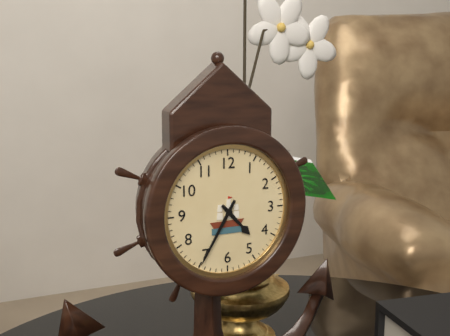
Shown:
4.35
